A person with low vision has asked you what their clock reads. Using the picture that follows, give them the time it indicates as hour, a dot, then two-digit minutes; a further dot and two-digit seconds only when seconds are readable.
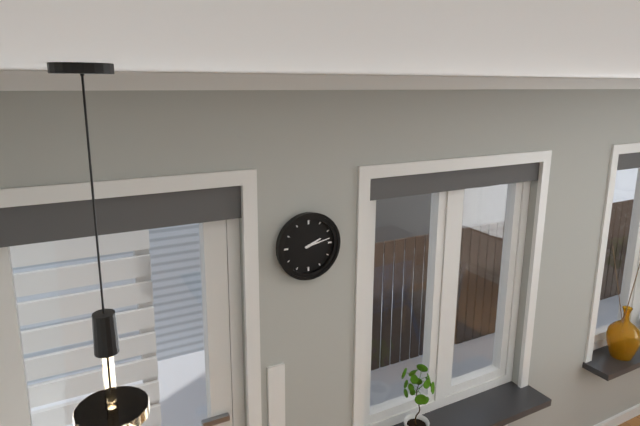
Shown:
2.13
